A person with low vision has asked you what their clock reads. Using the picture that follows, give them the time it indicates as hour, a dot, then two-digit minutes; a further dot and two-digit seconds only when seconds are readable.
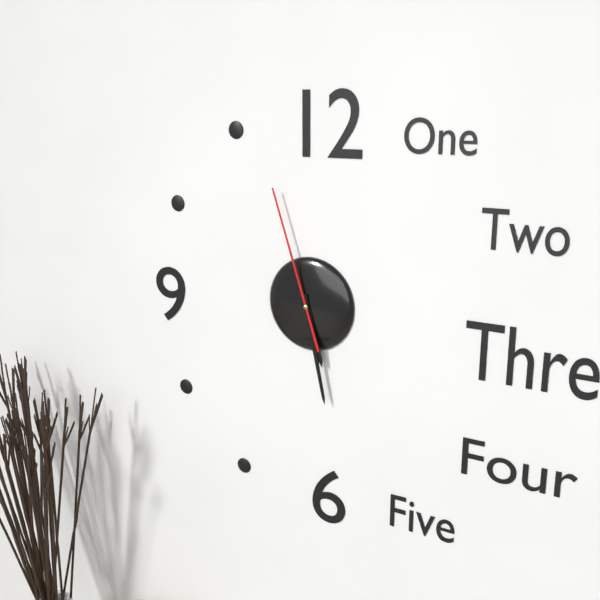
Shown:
5.28.57
